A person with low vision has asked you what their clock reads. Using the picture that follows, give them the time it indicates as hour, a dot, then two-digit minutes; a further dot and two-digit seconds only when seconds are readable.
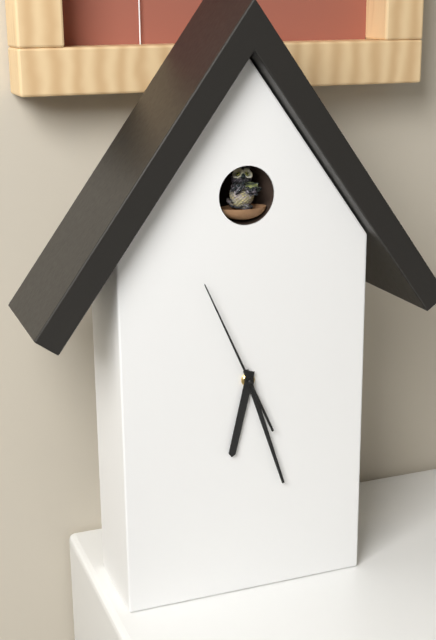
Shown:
6.27.56
